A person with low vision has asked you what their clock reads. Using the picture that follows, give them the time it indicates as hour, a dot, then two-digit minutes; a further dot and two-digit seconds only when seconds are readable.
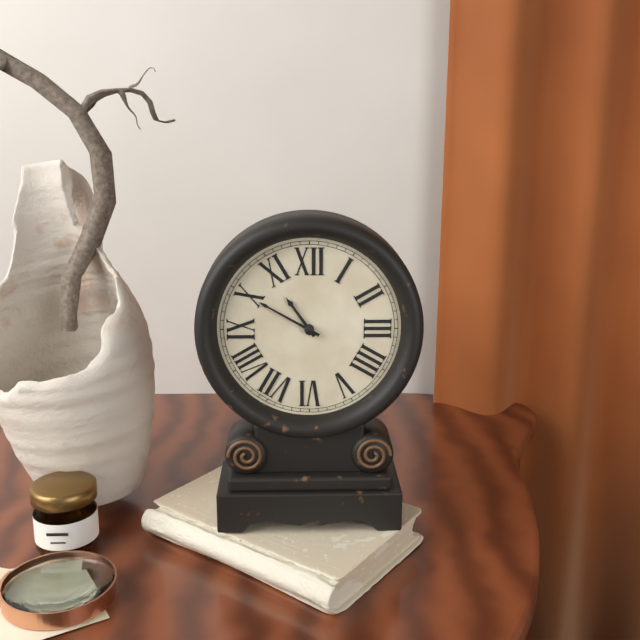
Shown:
10.50
